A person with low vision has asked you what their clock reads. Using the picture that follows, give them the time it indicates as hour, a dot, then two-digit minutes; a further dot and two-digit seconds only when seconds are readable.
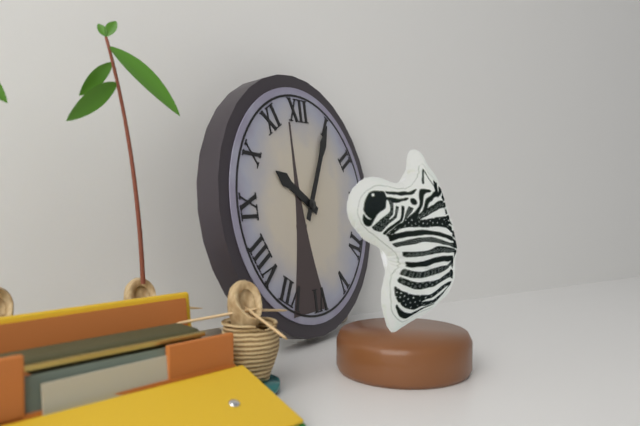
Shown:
10.05
